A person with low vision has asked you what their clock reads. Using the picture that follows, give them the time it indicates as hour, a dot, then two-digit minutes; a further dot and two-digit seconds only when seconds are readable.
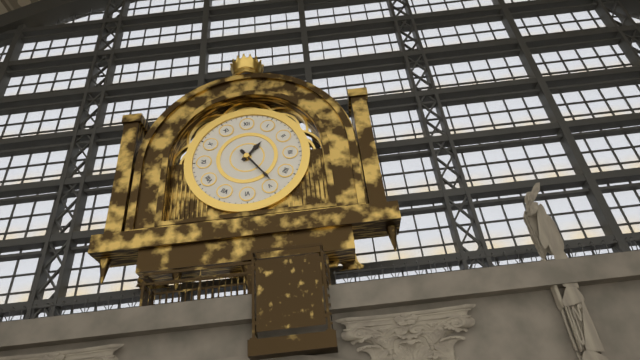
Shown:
1.24
